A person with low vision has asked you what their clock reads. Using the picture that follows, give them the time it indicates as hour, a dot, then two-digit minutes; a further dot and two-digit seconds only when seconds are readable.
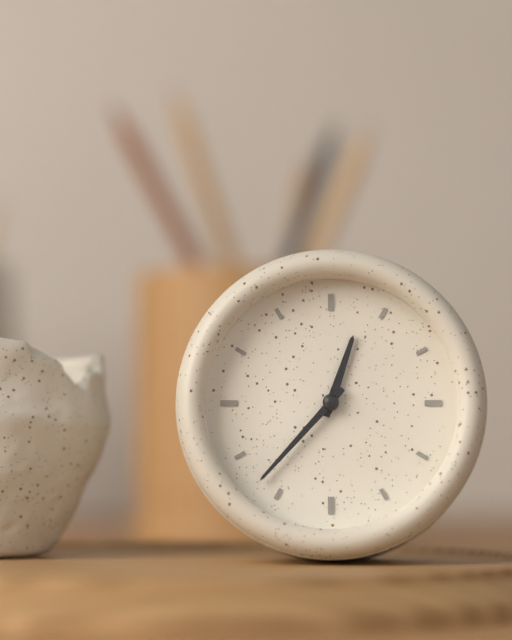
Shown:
12.37
